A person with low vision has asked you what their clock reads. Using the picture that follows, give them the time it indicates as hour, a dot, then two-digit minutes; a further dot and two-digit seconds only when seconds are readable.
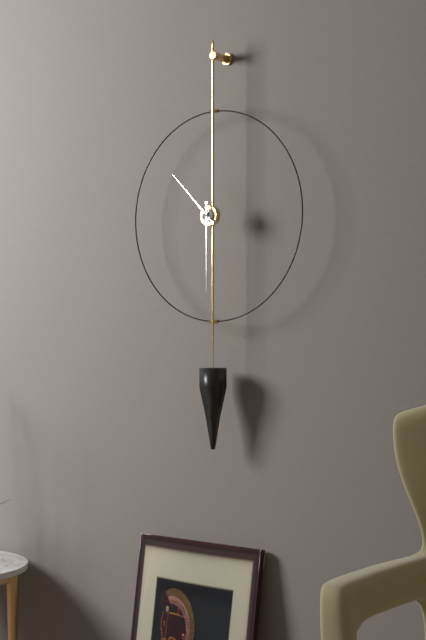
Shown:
10.30
